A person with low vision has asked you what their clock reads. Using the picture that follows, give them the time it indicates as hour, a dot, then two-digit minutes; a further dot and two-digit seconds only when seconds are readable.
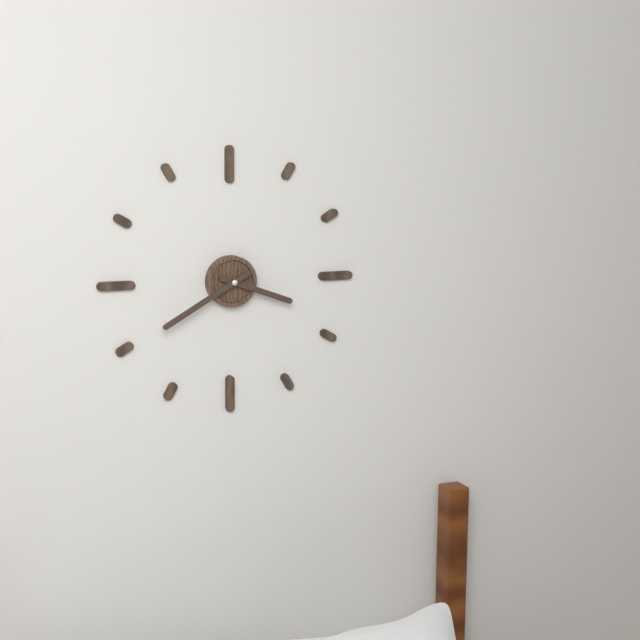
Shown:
3.40
